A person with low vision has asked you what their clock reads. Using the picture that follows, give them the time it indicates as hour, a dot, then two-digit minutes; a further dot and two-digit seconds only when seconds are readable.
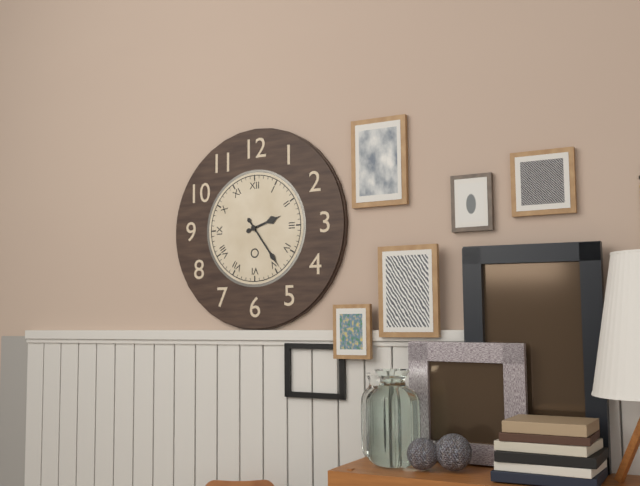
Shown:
2.24
